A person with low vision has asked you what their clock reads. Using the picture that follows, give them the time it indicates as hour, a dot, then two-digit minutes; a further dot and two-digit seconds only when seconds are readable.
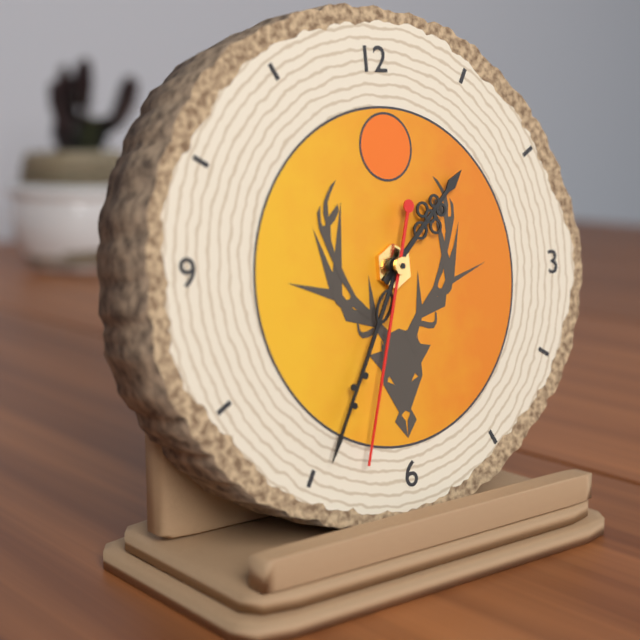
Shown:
1.35.33
